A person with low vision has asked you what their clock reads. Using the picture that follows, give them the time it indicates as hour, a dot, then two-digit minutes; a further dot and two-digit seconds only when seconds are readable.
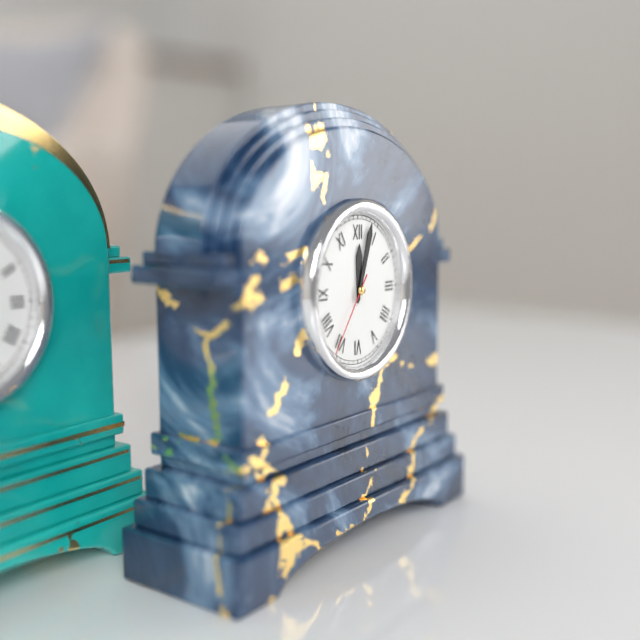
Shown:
12.03.36
